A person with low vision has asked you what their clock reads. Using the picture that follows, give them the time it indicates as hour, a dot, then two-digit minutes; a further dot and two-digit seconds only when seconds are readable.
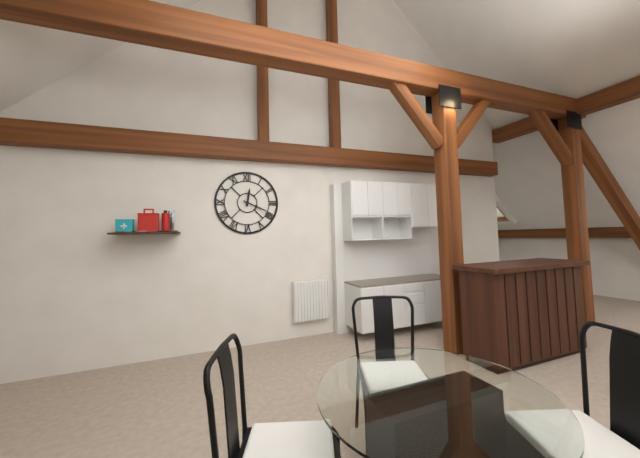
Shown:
12.19
